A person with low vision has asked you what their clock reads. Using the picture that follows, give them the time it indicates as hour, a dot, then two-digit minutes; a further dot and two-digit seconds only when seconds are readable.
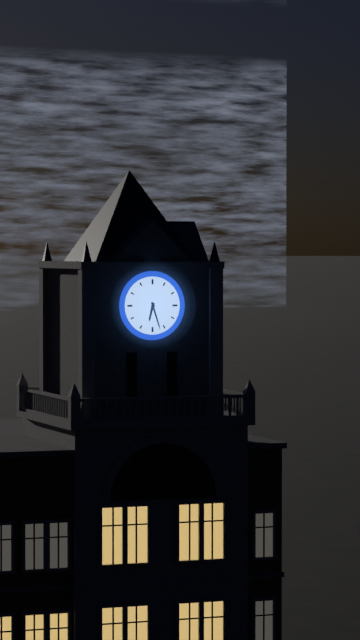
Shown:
6.27
